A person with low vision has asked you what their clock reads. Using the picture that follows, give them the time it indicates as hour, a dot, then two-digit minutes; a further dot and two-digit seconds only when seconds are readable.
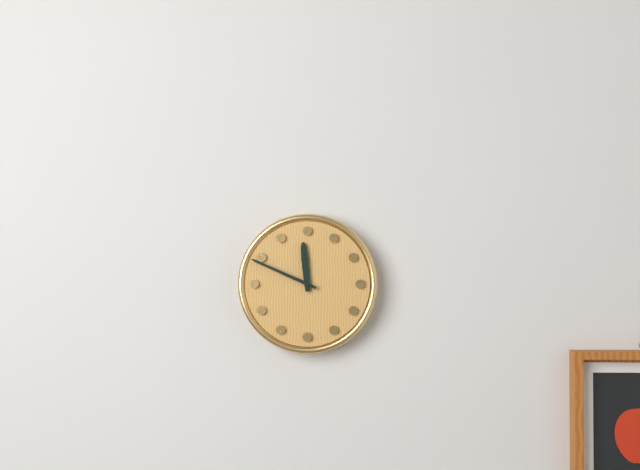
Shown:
11.49
